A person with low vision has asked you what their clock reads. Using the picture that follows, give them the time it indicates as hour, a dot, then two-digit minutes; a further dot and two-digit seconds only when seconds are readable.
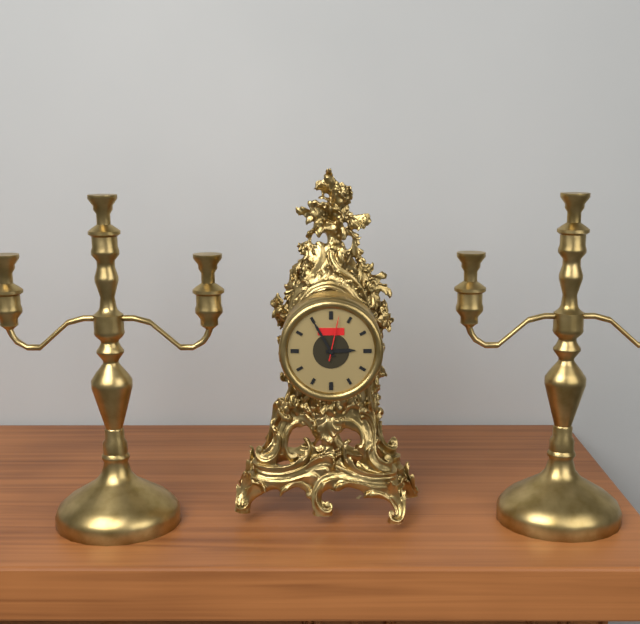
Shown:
2.55
